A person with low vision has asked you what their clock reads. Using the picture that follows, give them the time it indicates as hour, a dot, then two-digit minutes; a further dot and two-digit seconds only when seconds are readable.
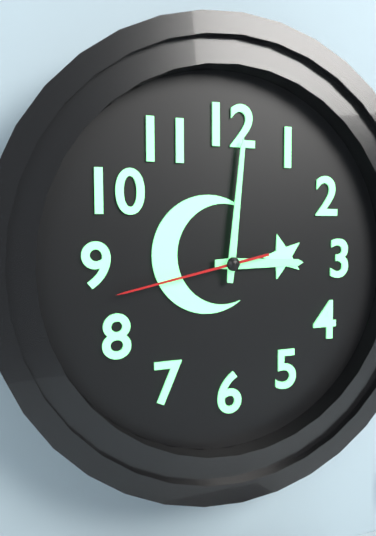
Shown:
3.01.43
